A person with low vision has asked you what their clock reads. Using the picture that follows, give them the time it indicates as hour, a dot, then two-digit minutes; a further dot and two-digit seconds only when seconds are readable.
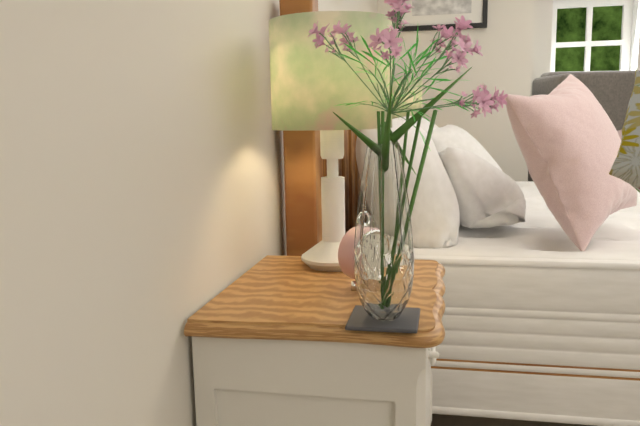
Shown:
11.32
